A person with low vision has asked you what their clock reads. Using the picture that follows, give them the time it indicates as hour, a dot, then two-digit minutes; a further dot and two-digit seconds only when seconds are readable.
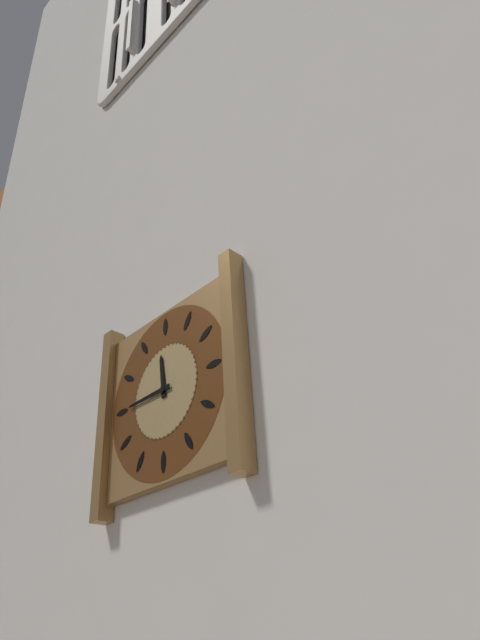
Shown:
11.45
